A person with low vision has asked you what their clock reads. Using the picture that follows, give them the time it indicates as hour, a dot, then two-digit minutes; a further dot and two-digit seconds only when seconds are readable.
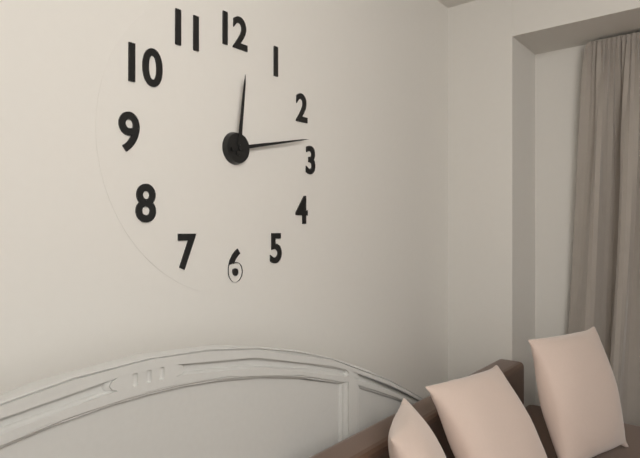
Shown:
12.13
